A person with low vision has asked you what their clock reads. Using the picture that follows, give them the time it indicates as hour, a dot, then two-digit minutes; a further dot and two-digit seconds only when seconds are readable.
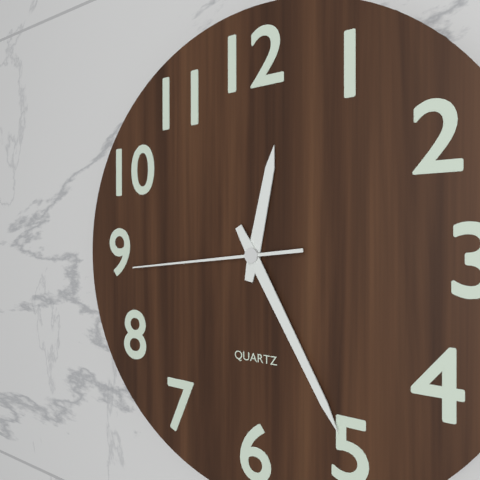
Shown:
12.25.44
